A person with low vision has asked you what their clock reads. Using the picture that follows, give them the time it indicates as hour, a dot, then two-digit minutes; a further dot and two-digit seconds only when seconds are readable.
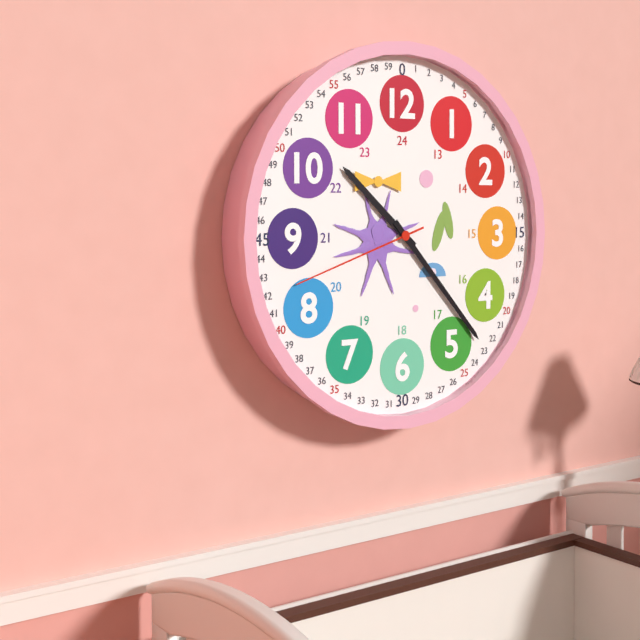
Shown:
10.23.42
